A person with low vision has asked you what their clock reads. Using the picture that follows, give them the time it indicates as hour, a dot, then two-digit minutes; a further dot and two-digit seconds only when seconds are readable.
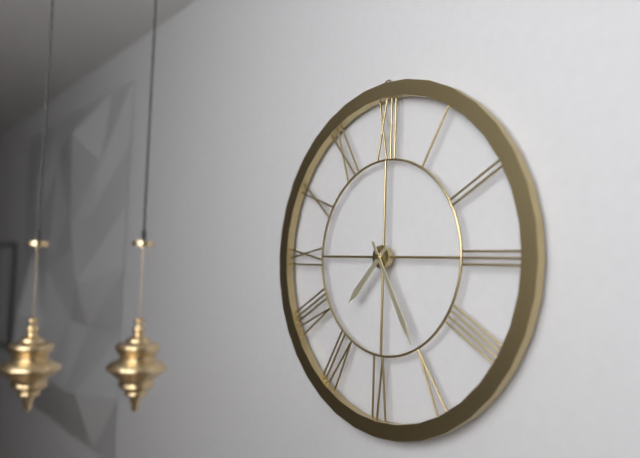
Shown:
7.25
